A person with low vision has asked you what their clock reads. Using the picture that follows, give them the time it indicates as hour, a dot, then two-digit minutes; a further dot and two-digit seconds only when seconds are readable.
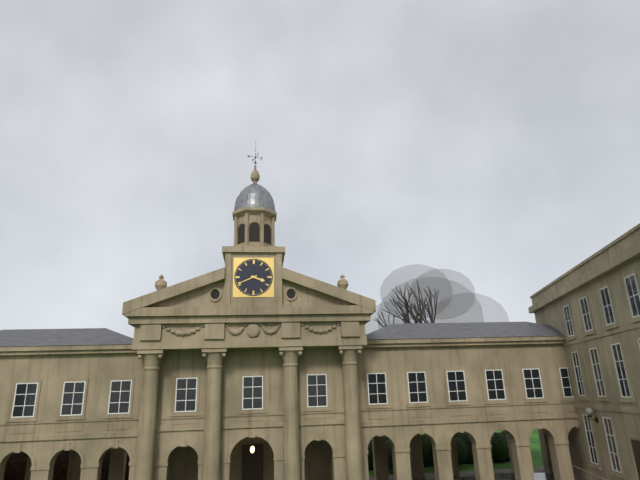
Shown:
3.41
